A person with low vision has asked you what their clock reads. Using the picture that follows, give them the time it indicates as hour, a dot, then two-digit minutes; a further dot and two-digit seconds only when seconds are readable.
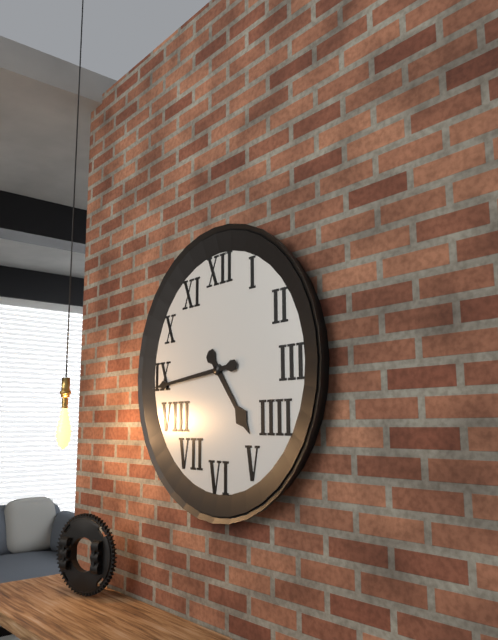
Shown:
4.44
